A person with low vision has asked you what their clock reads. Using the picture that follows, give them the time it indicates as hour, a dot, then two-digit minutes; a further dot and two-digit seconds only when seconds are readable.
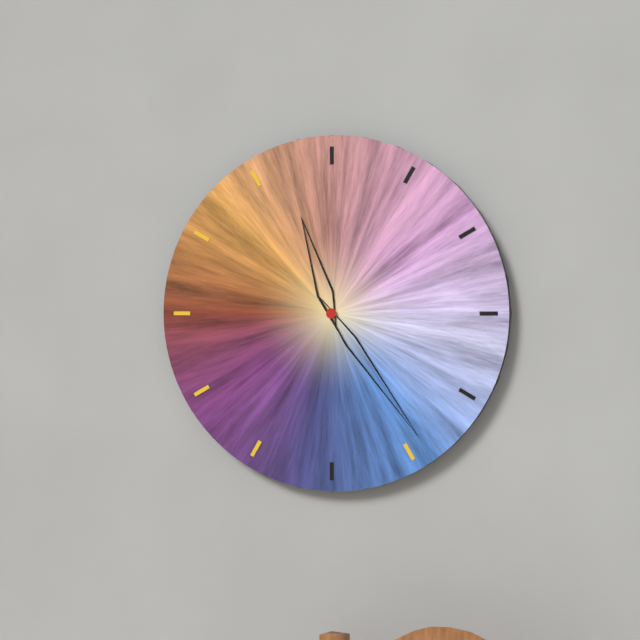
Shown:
11.24
